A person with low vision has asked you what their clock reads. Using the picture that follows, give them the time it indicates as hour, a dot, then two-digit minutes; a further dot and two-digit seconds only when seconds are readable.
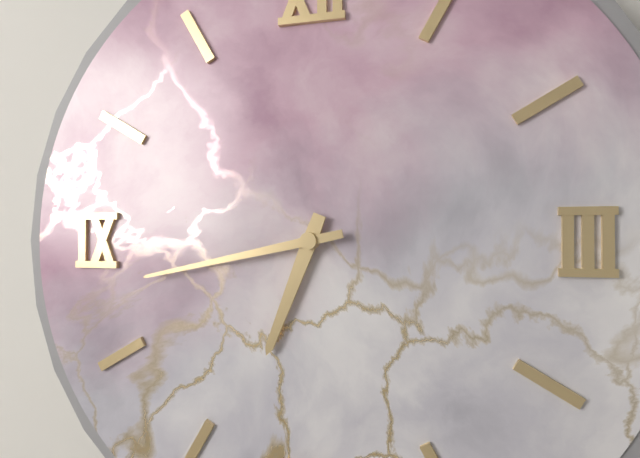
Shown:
6.43
